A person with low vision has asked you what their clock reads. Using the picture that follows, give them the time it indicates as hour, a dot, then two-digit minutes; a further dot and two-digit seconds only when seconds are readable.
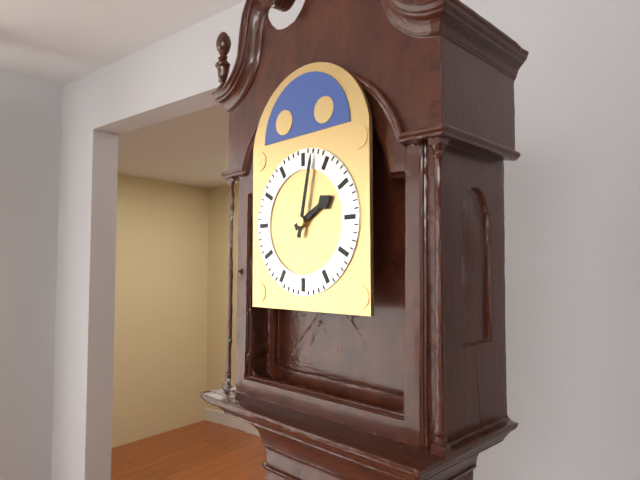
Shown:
2.02
